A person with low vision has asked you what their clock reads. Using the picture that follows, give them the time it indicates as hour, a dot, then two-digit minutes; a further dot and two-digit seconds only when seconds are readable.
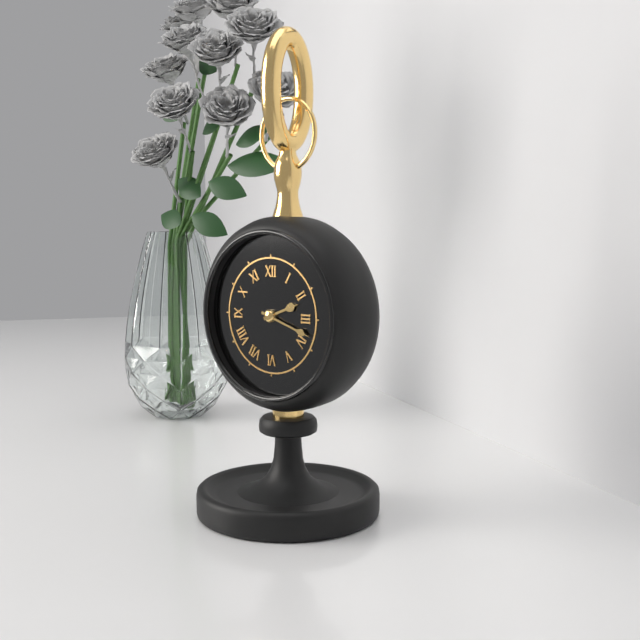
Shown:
2.18
